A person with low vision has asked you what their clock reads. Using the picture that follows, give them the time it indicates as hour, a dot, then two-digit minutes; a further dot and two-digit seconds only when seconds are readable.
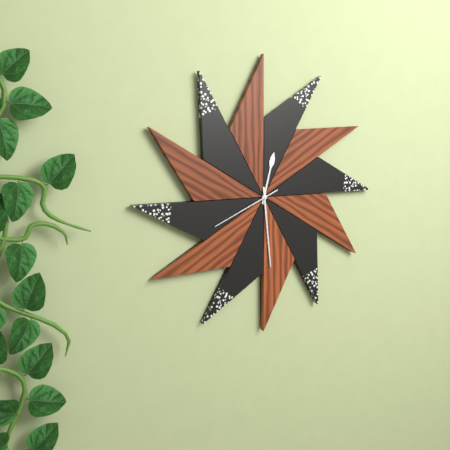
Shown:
12.29.41
